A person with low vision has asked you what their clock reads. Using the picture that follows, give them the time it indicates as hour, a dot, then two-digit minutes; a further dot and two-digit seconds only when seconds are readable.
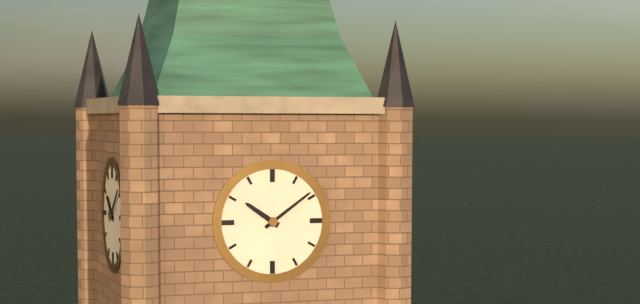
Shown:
10.09
